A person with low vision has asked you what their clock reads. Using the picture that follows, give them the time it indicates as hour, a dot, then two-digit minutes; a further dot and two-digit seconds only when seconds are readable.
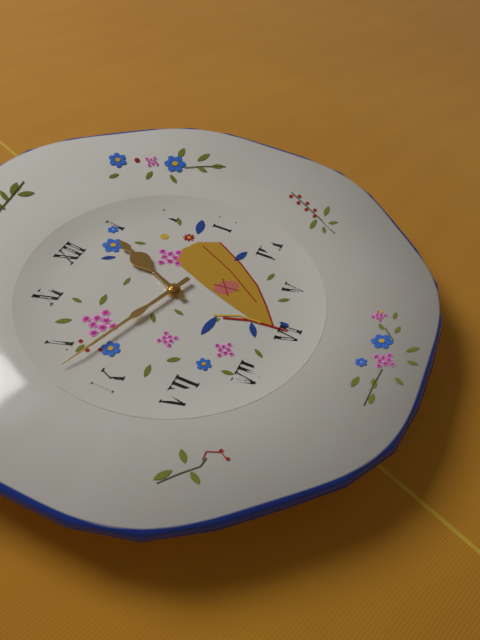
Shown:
12.48
